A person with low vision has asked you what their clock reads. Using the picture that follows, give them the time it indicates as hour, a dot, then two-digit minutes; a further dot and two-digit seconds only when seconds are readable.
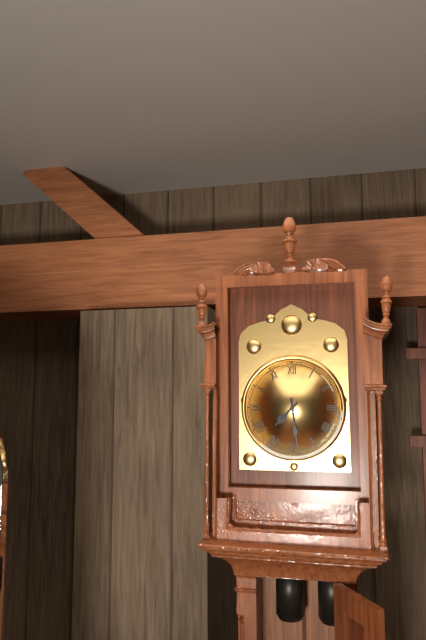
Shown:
7.29
